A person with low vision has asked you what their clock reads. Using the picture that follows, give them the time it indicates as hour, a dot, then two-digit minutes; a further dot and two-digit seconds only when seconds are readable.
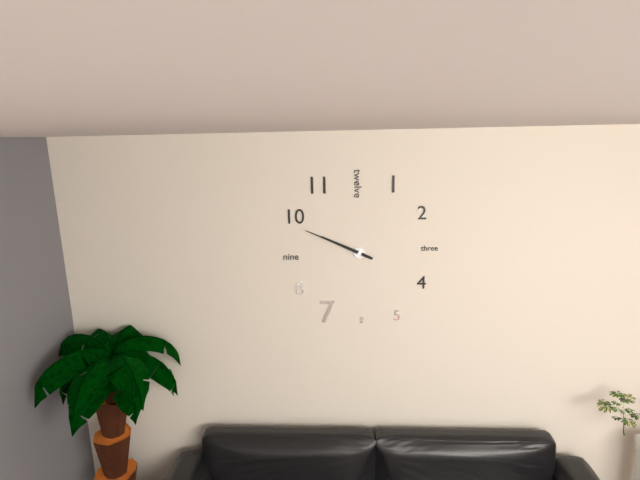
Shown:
9.49
